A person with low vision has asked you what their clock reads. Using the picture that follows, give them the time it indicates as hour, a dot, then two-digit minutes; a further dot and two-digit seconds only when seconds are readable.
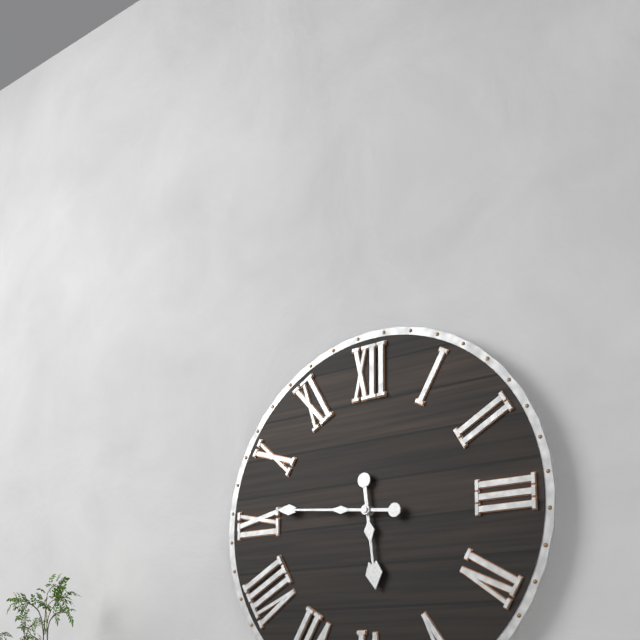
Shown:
5.46
